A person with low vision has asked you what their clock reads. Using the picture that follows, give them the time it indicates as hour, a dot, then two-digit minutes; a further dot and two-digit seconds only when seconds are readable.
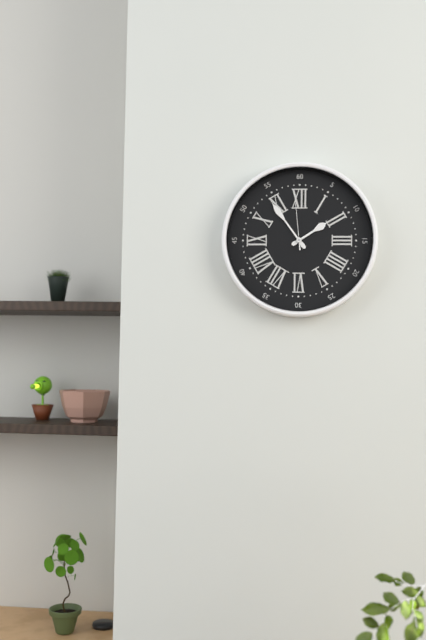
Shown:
1.54.59
